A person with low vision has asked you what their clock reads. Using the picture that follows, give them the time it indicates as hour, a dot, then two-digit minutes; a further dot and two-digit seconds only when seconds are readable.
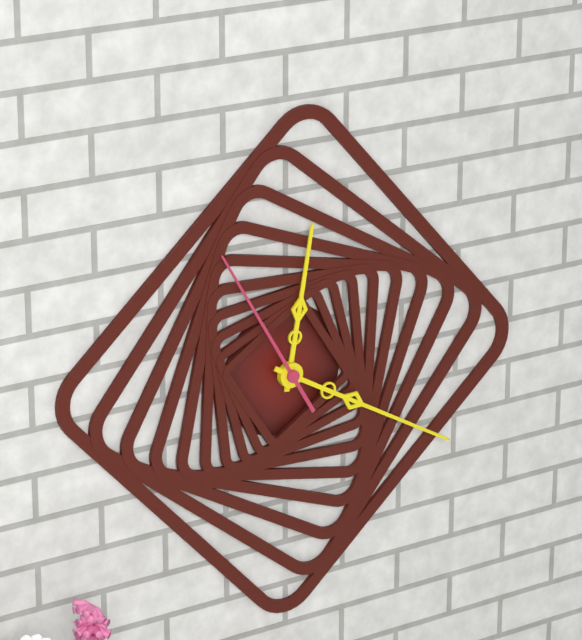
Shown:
12.20.55
